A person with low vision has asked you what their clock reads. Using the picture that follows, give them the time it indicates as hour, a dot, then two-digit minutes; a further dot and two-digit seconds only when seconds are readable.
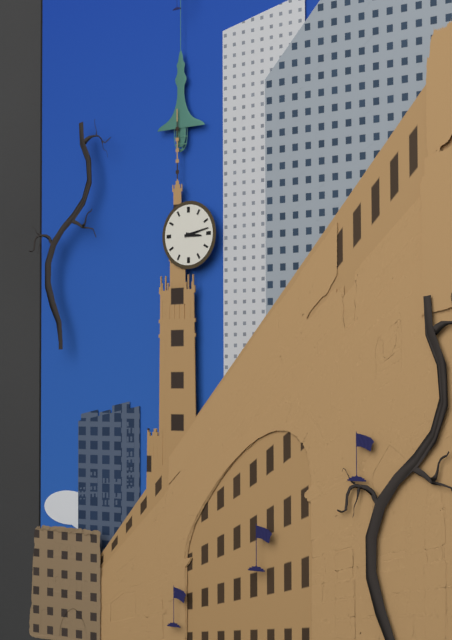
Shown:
3.13
